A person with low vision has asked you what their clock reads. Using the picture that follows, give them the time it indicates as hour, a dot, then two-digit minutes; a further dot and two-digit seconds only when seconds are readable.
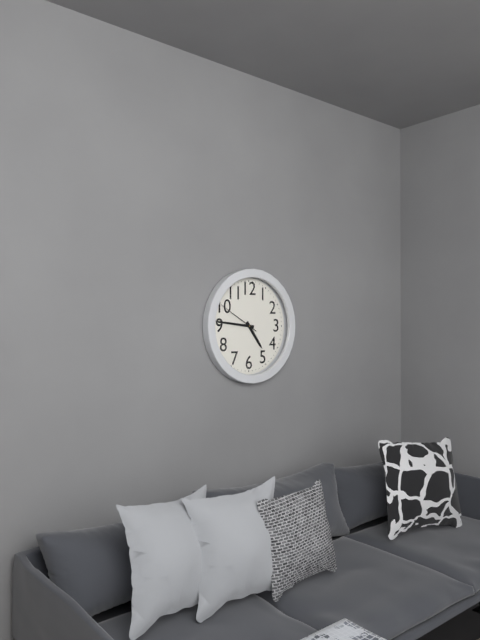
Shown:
4.46
